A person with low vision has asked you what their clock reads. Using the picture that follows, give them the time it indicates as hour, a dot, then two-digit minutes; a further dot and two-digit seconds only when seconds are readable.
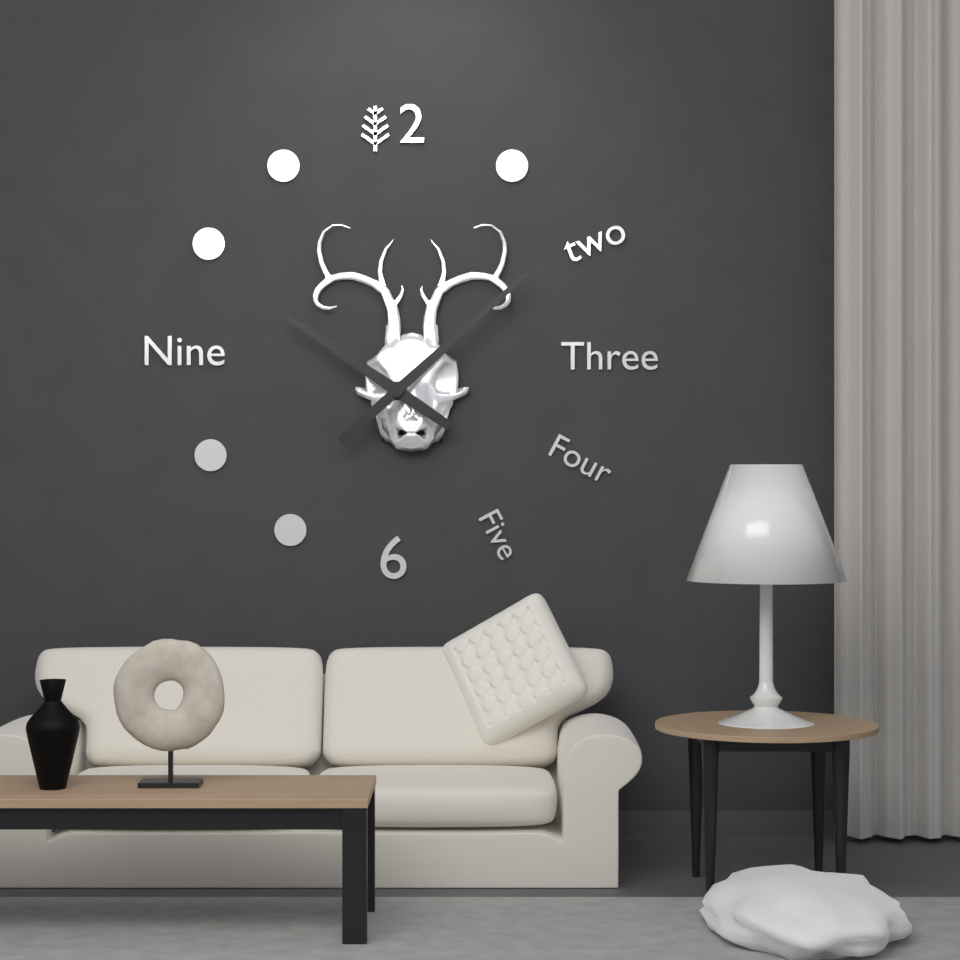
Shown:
10.08
